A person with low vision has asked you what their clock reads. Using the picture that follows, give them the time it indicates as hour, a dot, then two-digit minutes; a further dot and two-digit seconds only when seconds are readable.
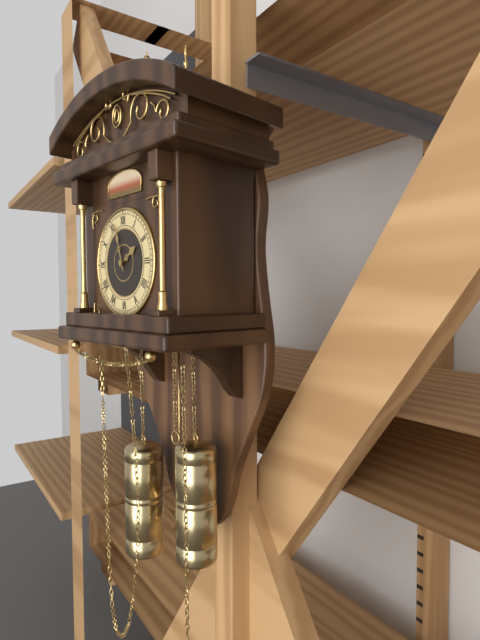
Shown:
1.57
